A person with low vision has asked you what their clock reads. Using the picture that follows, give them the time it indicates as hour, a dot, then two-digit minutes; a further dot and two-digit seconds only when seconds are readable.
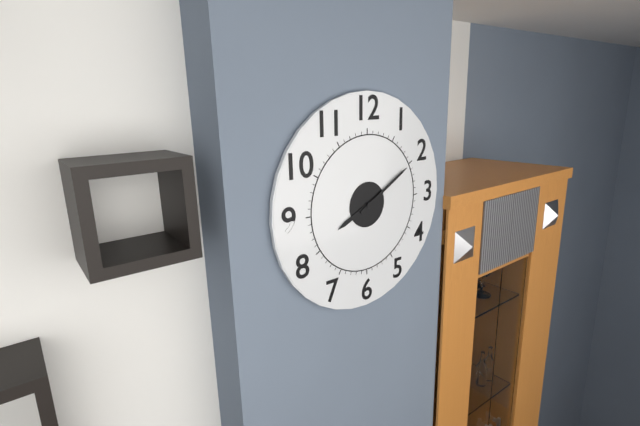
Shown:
8.10
